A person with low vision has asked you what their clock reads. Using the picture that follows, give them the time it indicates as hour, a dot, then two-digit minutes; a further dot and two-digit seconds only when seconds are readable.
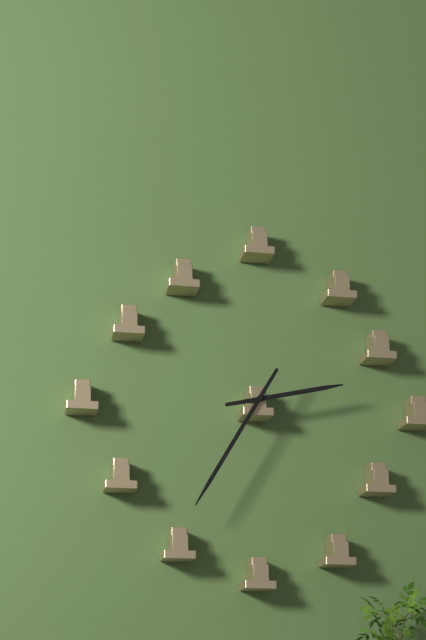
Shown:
2.35
